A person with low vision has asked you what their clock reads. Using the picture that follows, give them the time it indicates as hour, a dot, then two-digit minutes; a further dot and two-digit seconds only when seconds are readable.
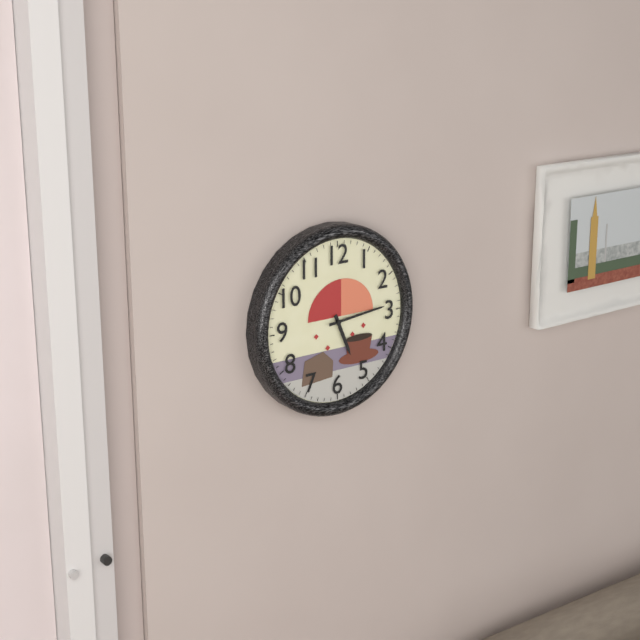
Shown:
5.14
